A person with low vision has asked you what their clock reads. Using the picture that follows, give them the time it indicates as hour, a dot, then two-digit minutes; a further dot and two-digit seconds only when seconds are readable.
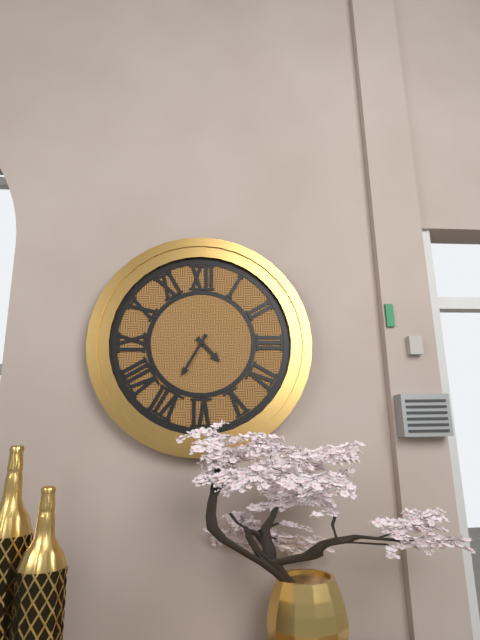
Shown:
4.35
